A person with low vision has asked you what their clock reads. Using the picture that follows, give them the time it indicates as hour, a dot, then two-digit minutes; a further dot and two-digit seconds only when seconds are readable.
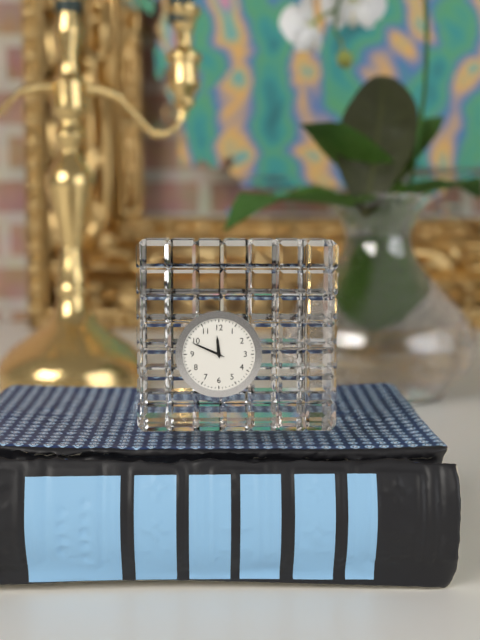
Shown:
11.49
